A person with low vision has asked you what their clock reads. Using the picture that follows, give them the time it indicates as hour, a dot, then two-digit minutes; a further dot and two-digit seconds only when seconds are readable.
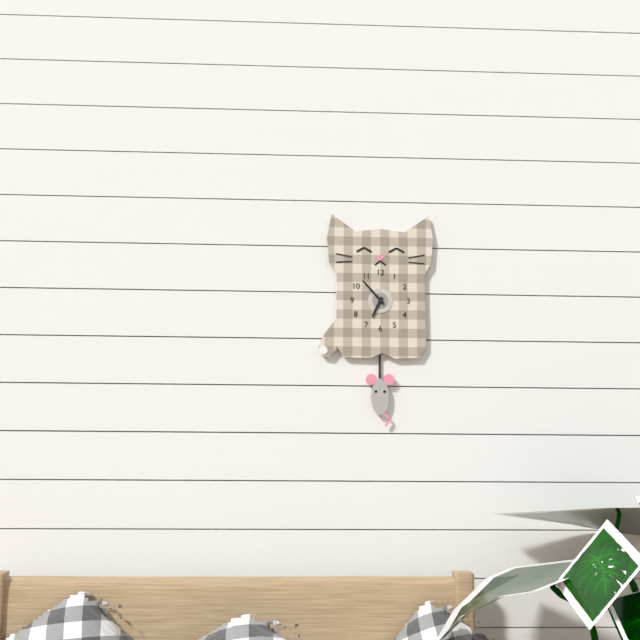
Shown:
6.53
